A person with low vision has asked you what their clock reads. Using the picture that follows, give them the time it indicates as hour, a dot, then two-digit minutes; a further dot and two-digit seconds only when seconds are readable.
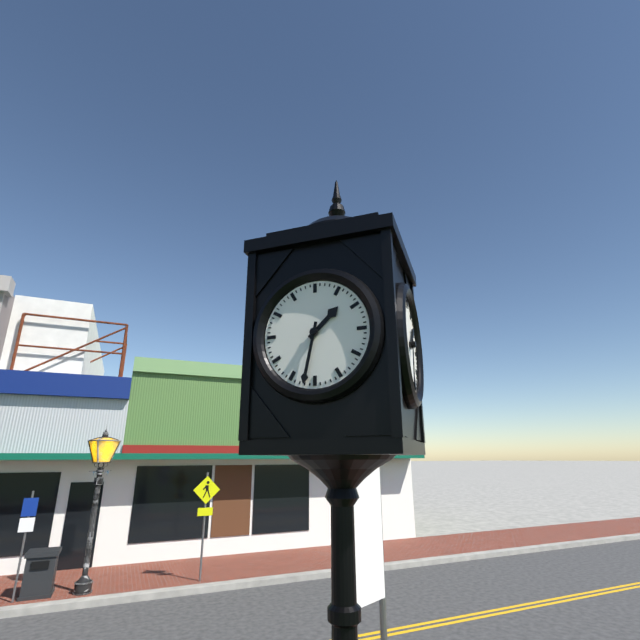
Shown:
1.32
